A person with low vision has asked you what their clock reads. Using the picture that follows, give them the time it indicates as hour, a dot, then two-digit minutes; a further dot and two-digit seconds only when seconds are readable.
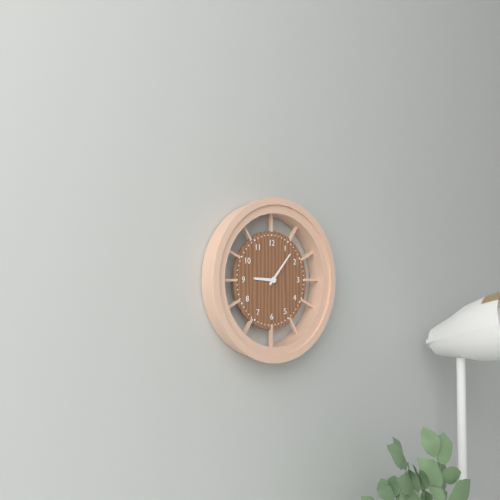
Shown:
9.07
